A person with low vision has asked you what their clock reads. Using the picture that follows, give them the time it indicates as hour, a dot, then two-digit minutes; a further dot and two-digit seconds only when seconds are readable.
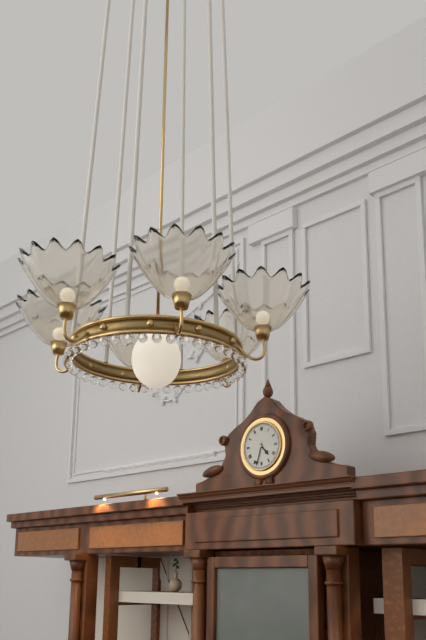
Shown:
4.33
